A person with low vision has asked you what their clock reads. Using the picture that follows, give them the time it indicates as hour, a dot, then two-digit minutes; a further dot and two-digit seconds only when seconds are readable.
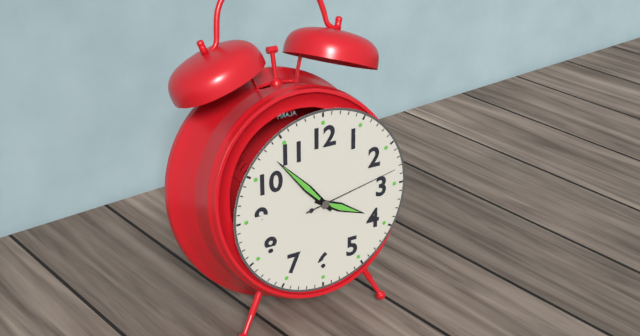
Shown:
3.53.13
